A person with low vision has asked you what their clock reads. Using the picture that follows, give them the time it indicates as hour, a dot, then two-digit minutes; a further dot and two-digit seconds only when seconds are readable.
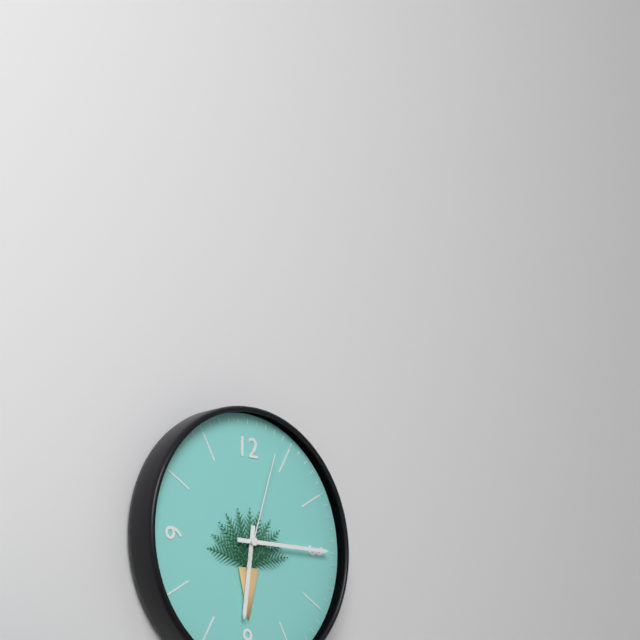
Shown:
6.15.03
